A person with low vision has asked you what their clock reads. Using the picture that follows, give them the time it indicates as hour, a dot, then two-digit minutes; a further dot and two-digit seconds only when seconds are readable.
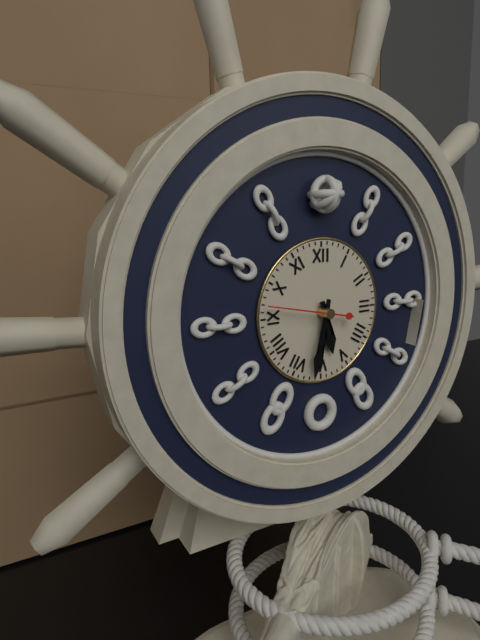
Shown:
5.32.47
